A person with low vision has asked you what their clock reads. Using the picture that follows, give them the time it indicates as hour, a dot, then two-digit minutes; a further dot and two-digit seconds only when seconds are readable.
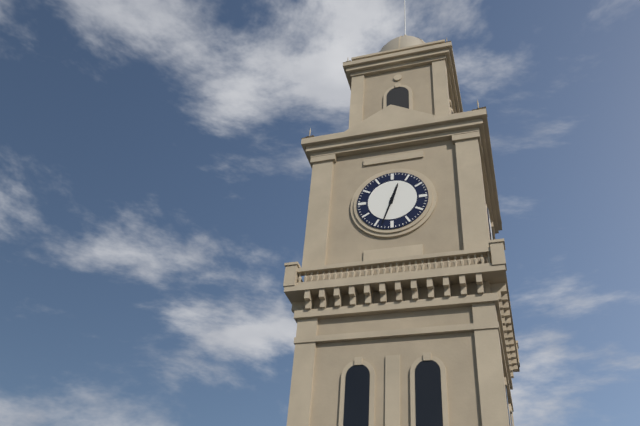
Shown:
12.33
